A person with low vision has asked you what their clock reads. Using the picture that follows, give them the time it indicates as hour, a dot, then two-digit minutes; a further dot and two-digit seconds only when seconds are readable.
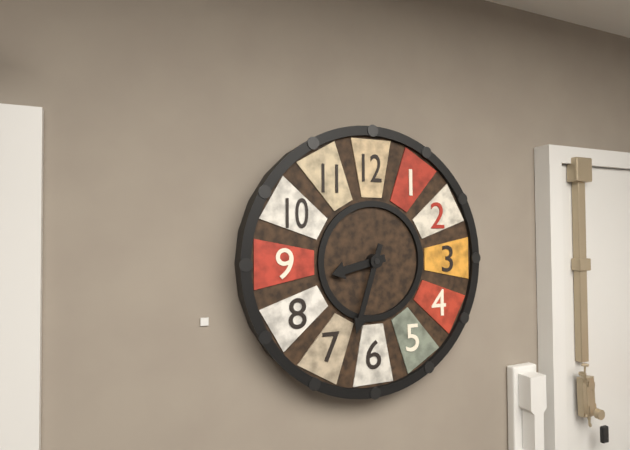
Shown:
8.33
